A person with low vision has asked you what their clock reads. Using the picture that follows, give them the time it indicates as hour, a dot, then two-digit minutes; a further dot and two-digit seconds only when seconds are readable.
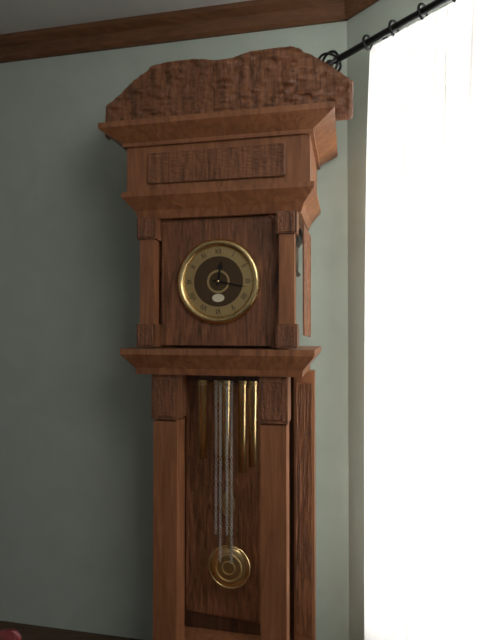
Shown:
12.17
